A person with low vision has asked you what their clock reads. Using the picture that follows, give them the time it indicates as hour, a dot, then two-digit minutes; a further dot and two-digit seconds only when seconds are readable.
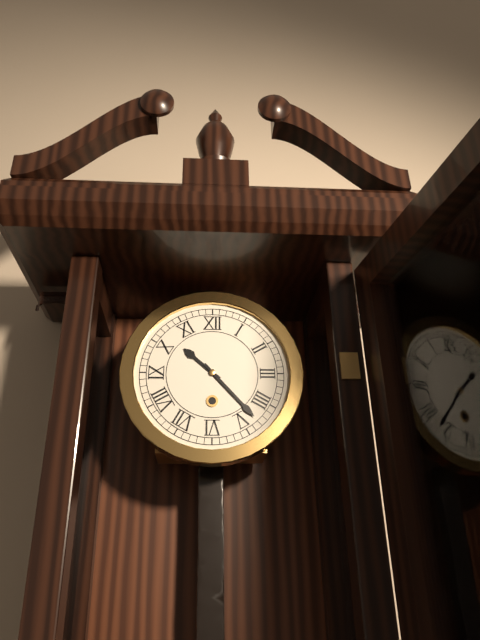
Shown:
10.23
